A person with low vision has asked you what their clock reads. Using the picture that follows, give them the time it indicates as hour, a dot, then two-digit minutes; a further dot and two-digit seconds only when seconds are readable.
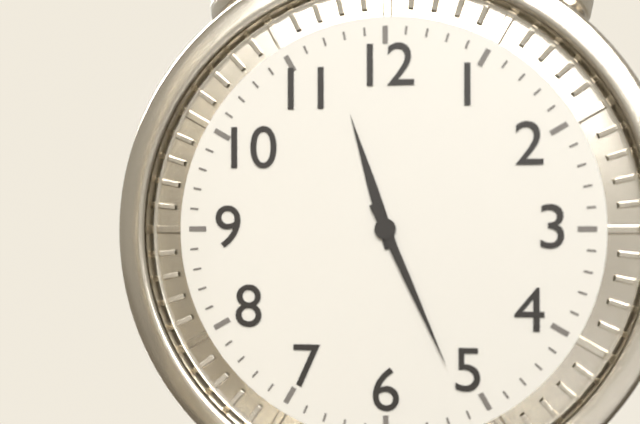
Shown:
11.26
